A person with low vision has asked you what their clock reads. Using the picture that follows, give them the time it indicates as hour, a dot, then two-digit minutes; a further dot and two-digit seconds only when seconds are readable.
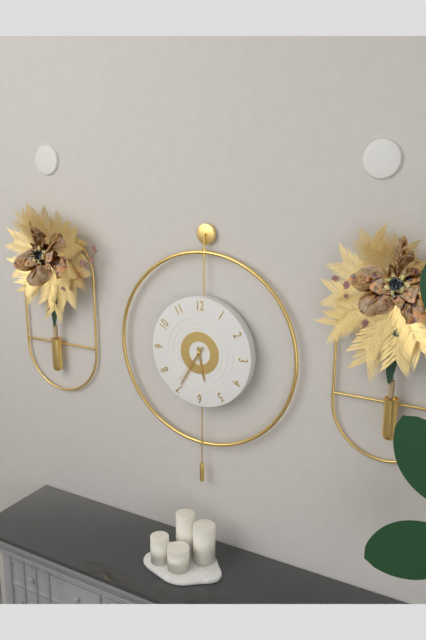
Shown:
5.35
